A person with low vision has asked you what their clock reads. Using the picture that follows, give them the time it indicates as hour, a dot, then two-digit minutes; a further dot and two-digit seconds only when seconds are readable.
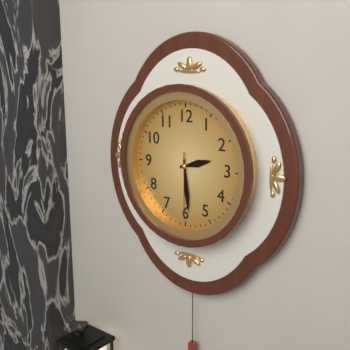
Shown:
2.29.30
